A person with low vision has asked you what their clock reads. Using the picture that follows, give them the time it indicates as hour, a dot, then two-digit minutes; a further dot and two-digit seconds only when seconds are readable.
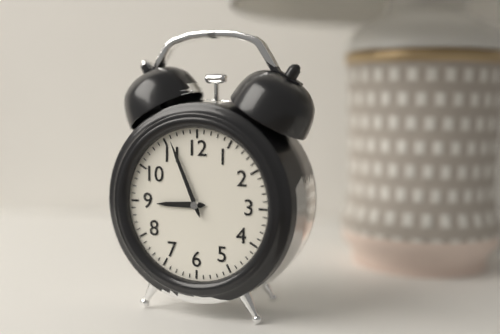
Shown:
8.56
